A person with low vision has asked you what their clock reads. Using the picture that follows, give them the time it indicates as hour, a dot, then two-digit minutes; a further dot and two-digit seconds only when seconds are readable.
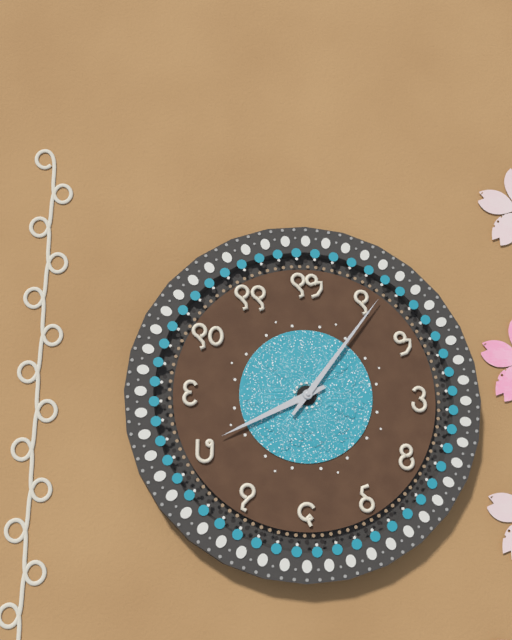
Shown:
8.06
